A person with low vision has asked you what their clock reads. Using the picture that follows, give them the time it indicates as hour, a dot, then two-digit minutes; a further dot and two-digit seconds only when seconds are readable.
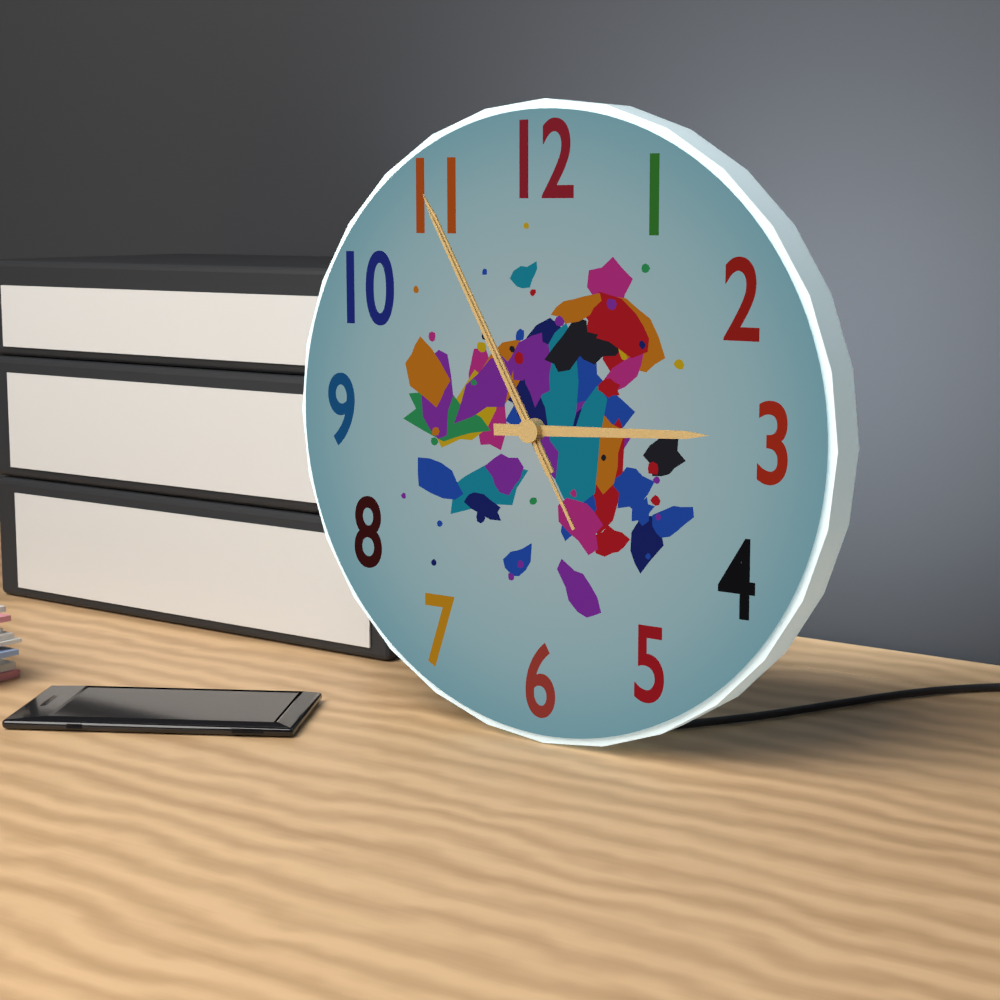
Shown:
2.55.55
